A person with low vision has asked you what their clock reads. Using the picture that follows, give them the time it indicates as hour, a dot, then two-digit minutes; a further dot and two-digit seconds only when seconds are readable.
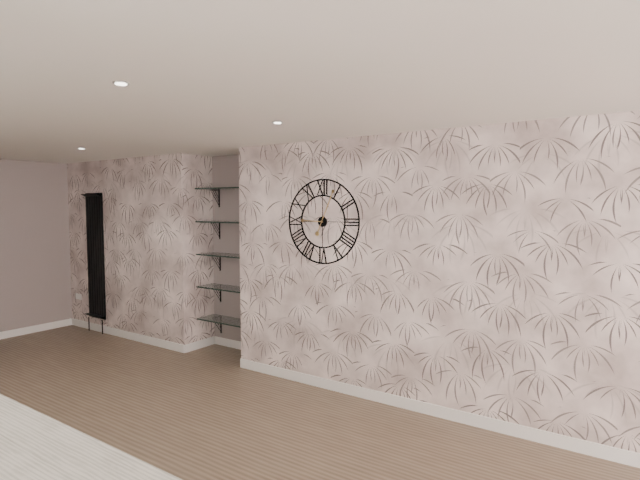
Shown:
9.04
